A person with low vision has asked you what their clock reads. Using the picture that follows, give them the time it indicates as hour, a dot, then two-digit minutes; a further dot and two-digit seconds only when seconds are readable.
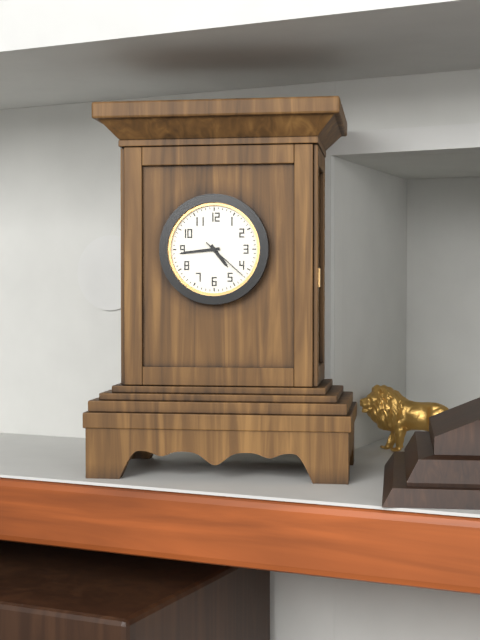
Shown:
4.44
